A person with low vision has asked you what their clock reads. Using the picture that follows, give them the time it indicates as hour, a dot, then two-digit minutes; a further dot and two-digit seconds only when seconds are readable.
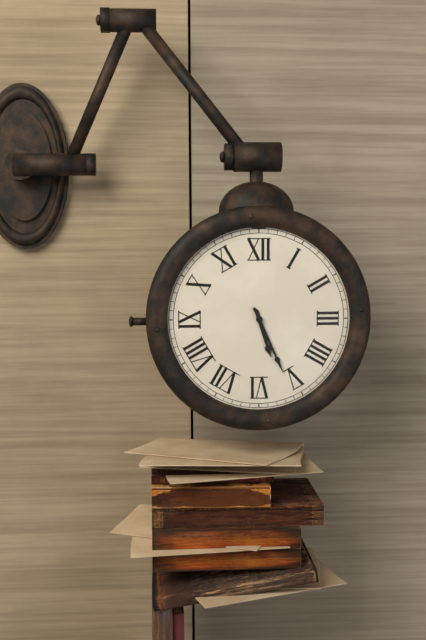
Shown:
5.26
